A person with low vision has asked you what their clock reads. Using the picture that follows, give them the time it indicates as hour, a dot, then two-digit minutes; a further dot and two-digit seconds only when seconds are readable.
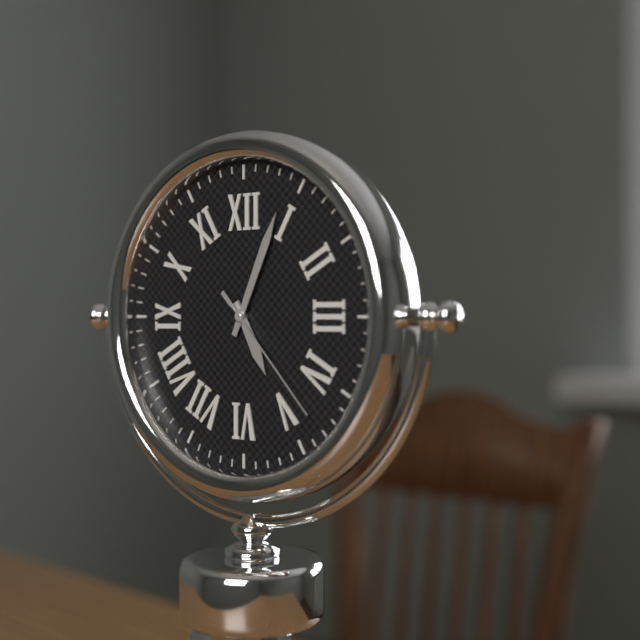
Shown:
5.04.23
